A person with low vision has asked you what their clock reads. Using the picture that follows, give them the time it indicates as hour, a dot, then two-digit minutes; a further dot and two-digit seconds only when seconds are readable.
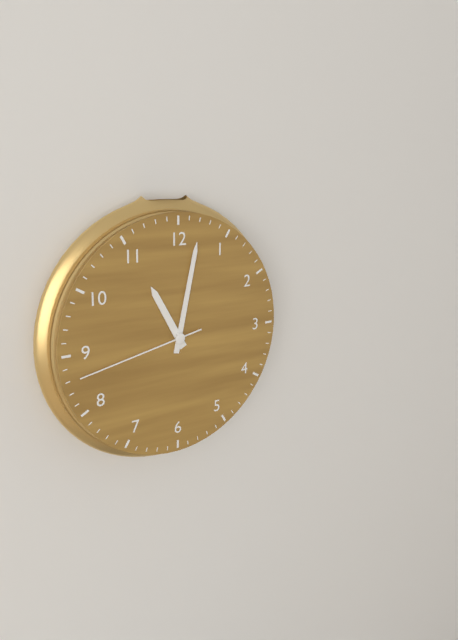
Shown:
11.02.43
